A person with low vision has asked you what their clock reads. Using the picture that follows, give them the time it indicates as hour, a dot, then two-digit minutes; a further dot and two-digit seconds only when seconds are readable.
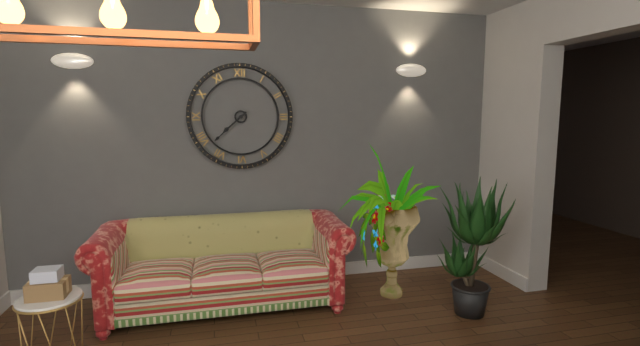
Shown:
7.38
